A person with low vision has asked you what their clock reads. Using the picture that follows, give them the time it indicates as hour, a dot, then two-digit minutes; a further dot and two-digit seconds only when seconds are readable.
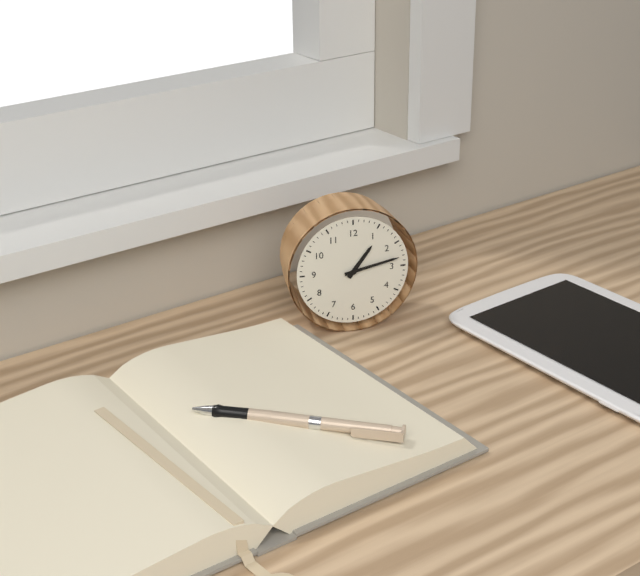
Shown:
1.13
